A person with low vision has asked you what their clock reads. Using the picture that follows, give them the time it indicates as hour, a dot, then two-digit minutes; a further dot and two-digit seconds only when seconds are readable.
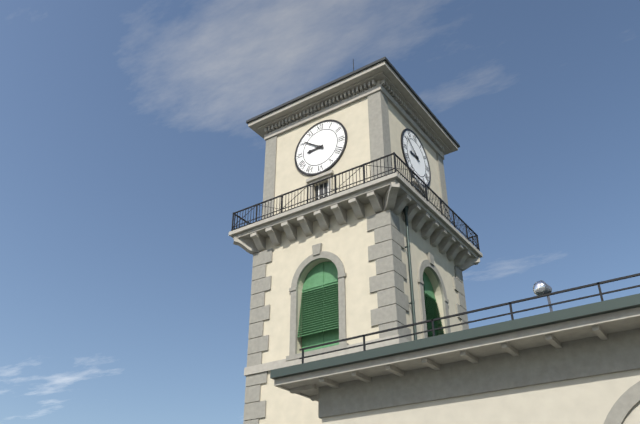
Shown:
8.51
